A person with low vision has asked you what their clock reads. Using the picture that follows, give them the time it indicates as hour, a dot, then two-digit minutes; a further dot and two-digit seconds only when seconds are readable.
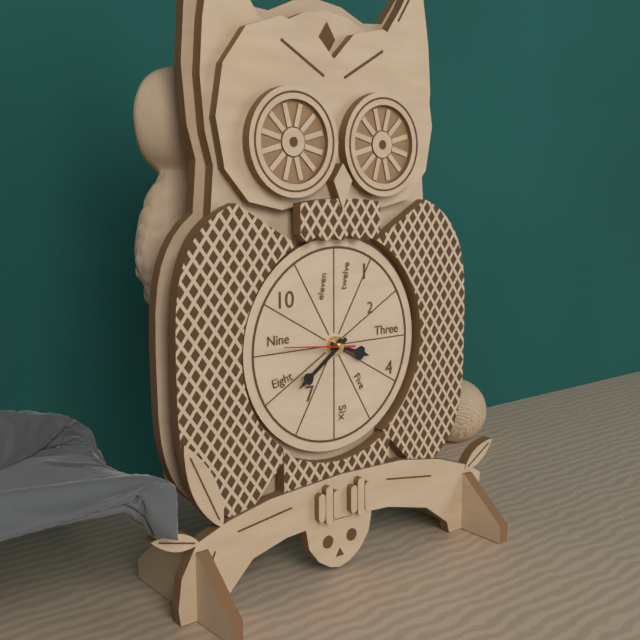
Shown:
3.39.46
